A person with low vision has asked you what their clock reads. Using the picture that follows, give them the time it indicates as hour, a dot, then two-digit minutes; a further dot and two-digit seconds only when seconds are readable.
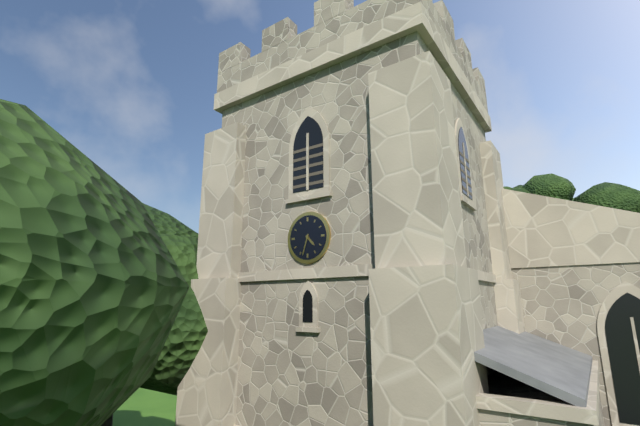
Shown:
4.33
